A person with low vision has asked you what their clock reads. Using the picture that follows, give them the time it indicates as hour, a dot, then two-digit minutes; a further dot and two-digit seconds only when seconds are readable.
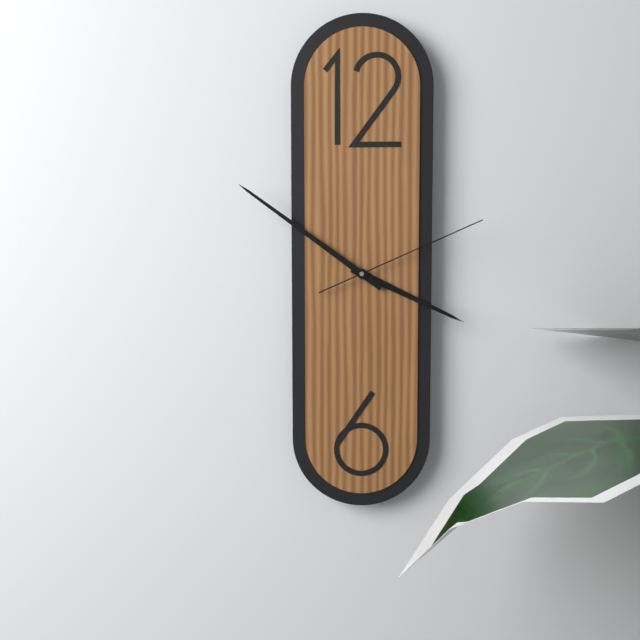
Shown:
3.51.11
